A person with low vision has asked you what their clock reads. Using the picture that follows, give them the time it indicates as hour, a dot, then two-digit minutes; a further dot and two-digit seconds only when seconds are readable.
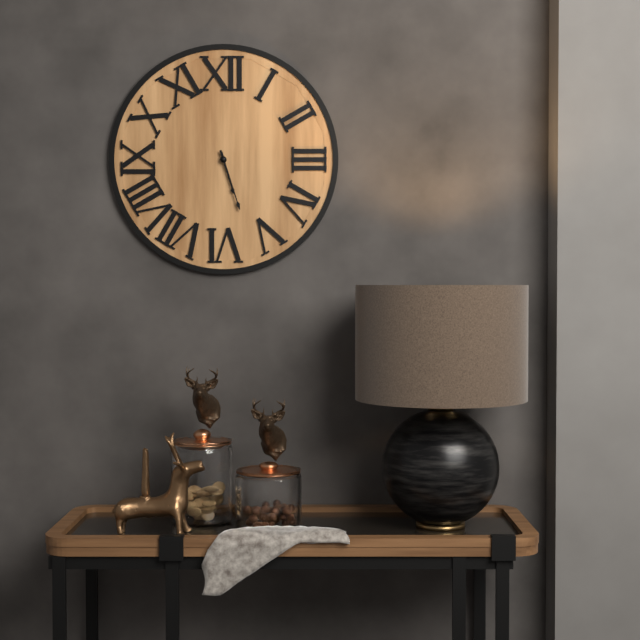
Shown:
5.27
